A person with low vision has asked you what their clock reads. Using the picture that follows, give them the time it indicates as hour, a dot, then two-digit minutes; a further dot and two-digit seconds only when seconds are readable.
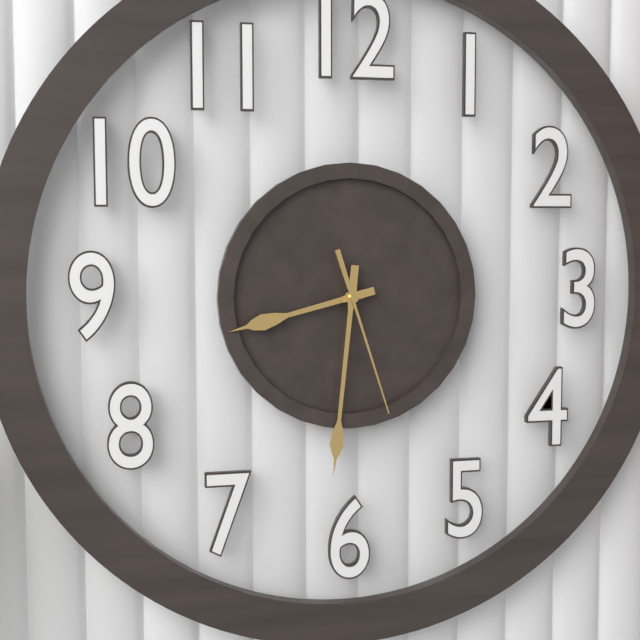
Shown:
8.31.27
